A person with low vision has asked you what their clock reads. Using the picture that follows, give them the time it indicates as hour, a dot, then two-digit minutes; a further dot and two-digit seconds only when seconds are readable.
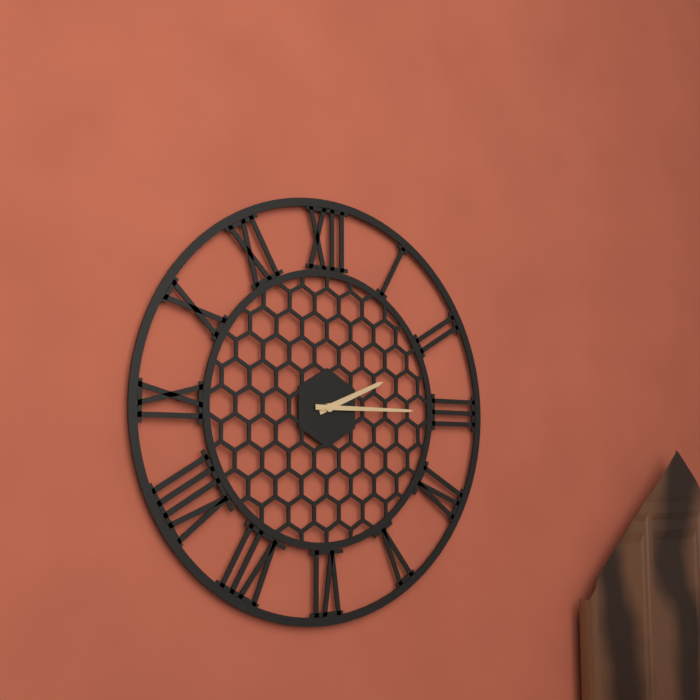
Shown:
2.15
